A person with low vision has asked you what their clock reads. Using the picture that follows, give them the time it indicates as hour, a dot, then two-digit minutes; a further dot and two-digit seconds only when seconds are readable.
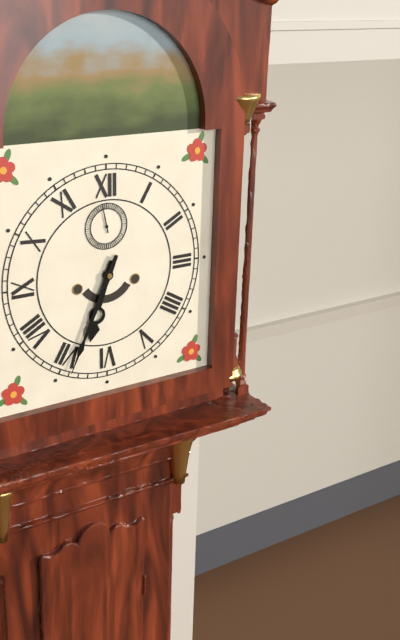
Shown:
6.34
